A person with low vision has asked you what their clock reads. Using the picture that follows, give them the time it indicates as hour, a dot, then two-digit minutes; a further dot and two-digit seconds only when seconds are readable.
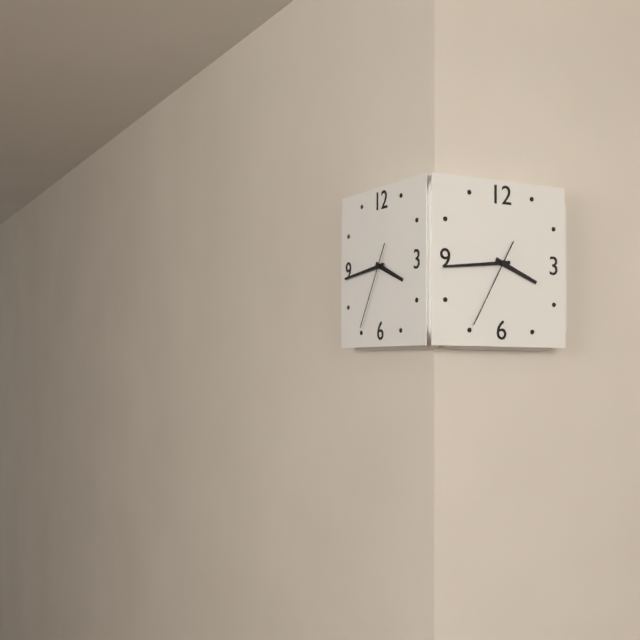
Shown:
3.44.35
